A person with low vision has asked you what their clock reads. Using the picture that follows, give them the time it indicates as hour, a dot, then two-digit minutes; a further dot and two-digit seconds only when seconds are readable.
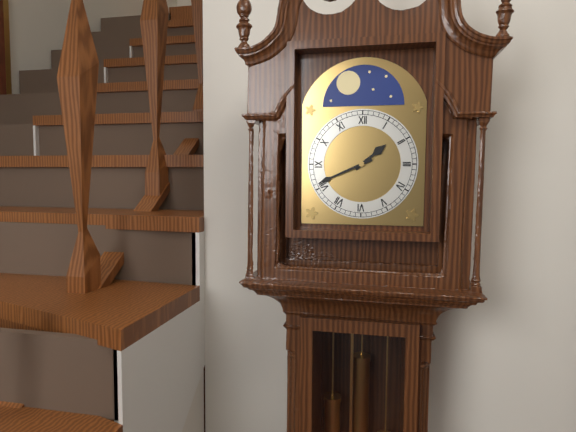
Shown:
1.41
